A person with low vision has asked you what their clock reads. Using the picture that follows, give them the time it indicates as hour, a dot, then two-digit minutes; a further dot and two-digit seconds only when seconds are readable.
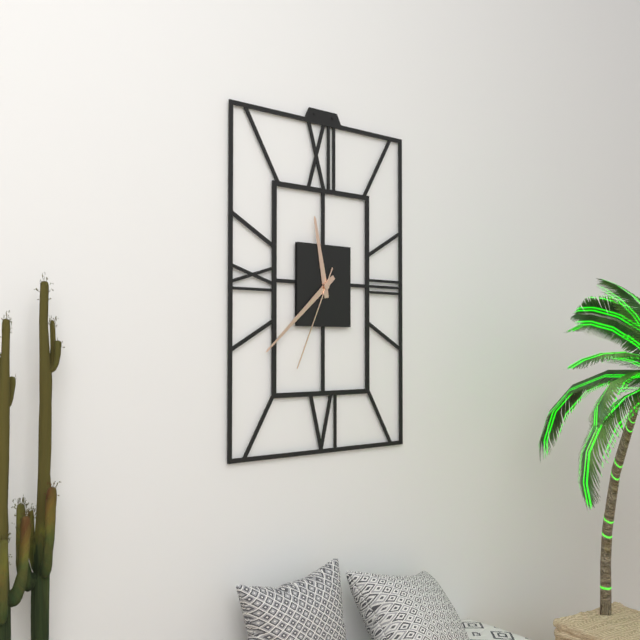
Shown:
11.38.34
